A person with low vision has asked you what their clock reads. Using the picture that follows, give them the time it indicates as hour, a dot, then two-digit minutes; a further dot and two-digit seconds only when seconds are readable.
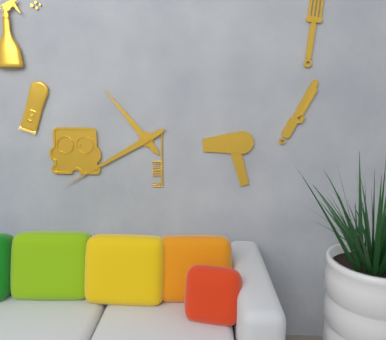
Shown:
10.40
